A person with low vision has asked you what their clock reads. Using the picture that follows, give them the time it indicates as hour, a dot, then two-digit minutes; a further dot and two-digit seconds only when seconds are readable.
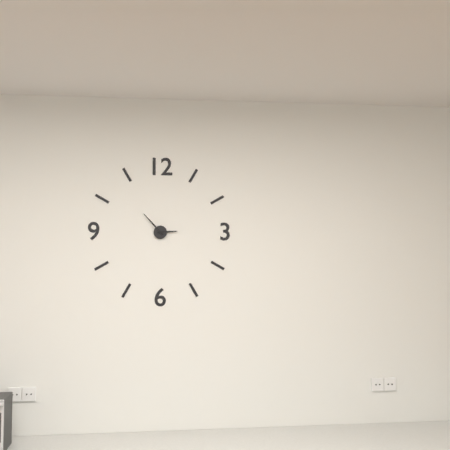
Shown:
2.53
